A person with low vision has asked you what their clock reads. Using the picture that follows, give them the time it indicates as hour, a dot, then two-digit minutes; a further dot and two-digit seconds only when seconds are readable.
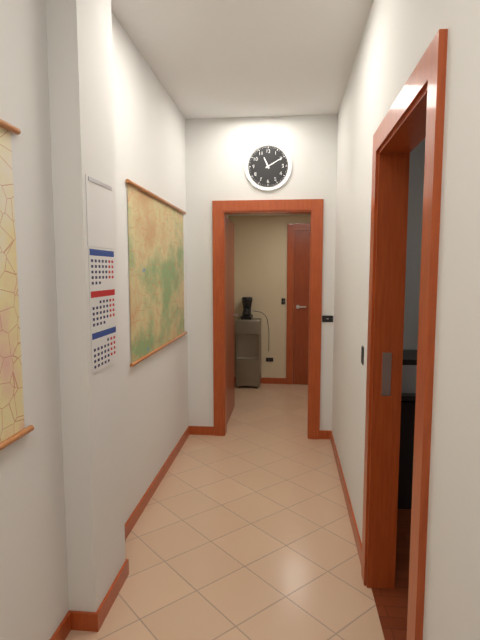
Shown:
11.10
